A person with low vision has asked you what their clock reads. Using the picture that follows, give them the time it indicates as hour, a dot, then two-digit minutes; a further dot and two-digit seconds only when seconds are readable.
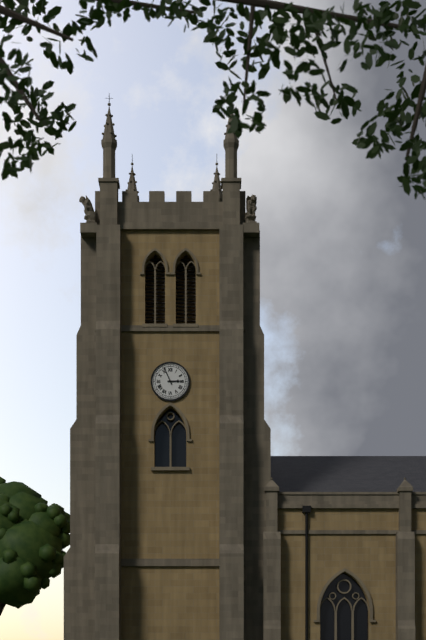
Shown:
2.56
